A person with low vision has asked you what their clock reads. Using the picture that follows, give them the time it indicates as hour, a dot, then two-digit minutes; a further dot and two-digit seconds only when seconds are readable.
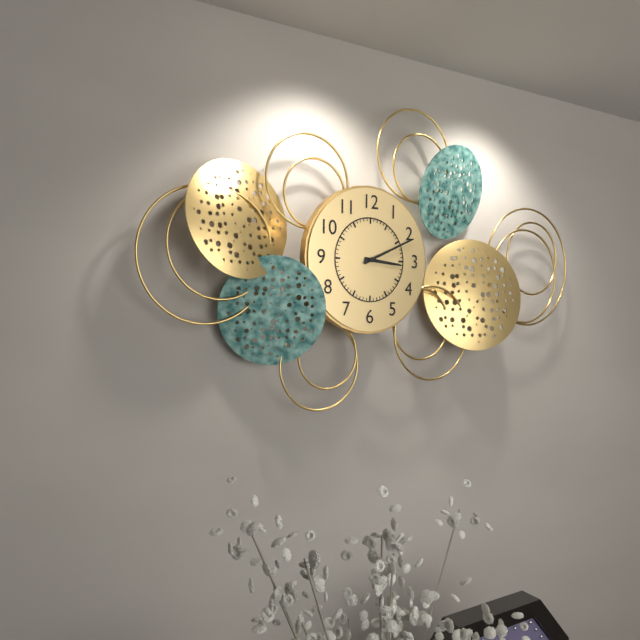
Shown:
3.11
